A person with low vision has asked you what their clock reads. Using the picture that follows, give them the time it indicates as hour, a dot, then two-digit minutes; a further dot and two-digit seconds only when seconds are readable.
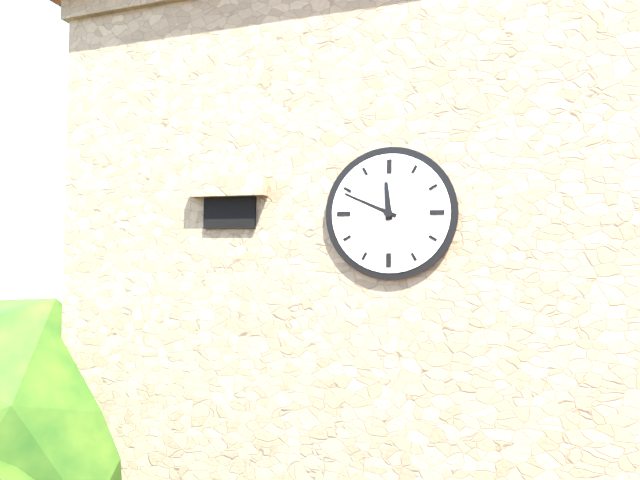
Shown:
11.49
